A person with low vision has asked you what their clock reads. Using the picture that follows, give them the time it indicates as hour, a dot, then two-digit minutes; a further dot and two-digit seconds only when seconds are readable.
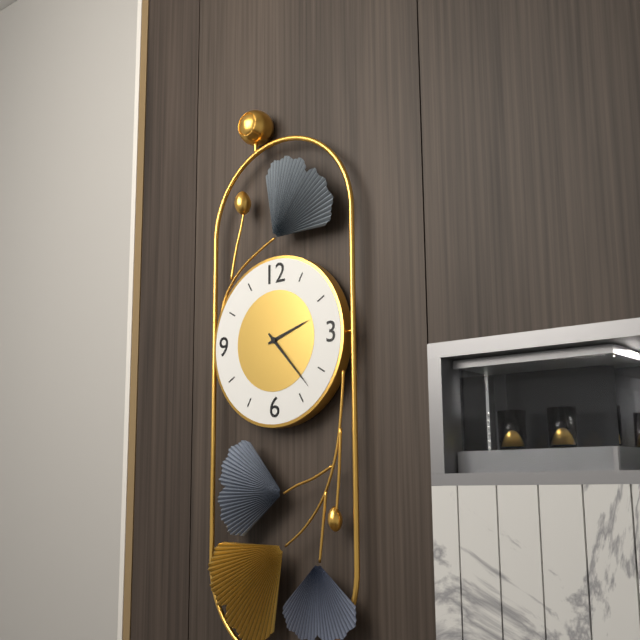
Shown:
2.23
